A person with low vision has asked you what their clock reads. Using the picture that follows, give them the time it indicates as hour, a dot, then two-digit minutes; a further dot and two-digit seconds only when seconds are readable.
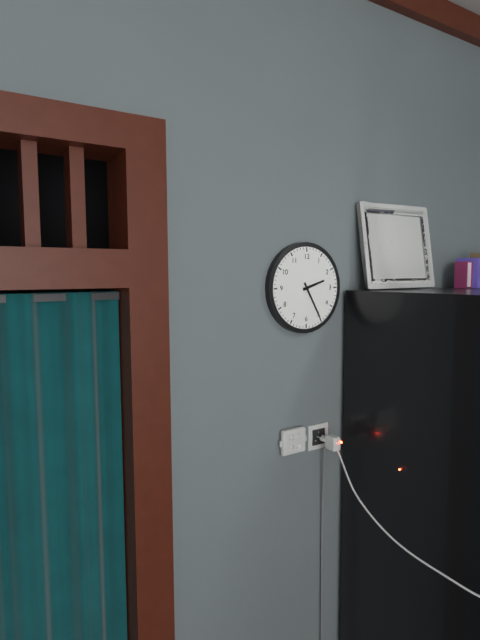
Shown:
2.25
